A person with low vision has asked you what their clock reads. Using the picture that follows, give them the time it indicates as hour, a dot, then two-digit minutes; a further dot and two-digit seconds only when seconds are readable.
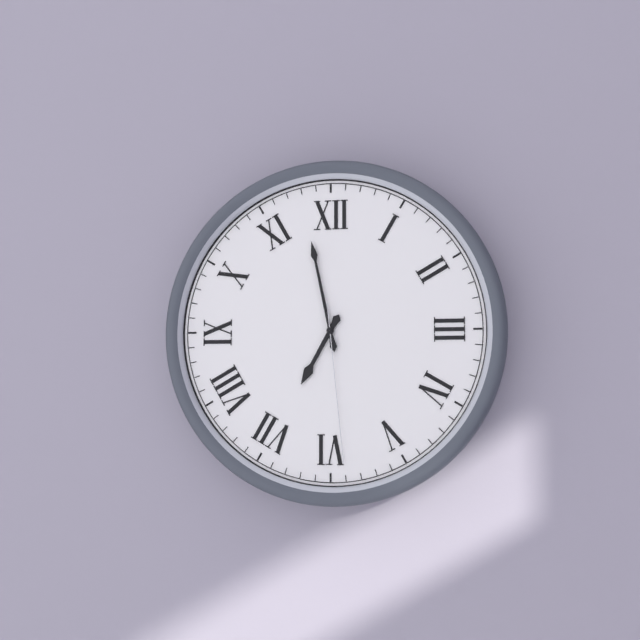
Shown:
6.58.29
